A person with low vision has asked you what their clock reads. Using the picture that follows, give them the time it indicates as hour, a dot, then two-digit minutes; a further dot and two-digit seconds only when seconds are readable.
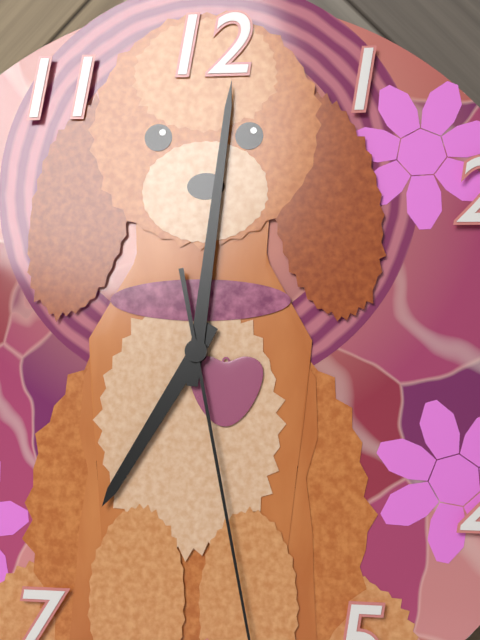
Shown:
7.01
